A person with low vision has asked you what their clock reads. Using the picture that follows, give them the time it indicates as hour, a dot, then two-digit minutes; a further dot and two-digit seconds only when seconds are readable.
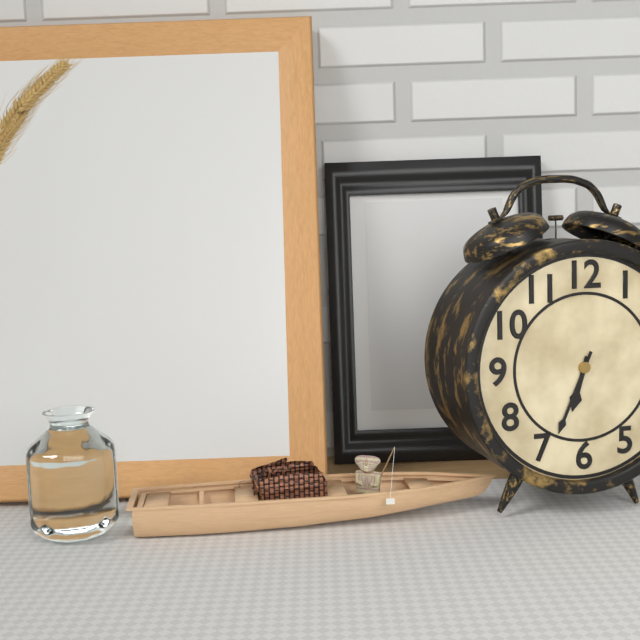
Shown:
6.34
